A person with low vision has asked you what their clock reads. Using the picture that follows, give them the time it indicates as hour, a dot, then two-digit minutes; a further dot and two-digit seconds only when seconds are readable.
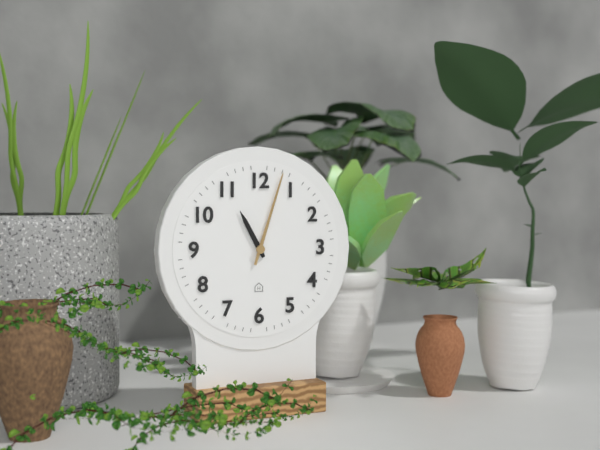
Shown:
11.03
